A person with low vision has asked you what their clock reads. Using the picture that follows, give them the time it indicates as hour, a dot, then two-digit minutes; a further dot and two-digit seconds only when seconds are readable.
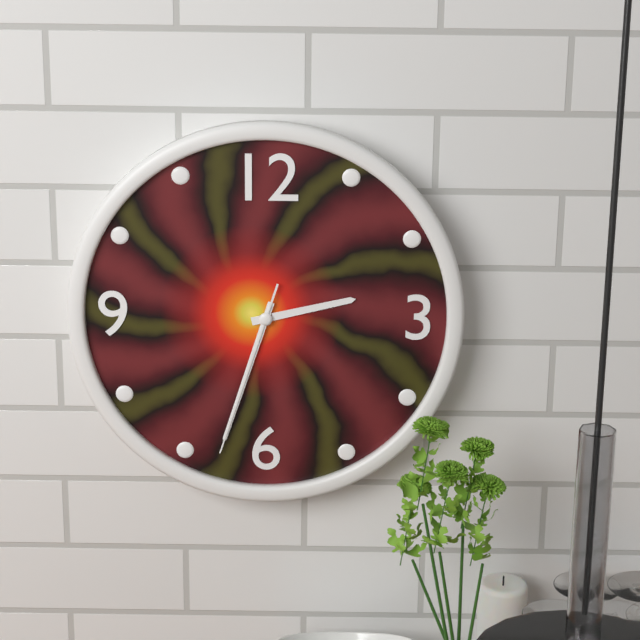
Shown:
2.33.33
